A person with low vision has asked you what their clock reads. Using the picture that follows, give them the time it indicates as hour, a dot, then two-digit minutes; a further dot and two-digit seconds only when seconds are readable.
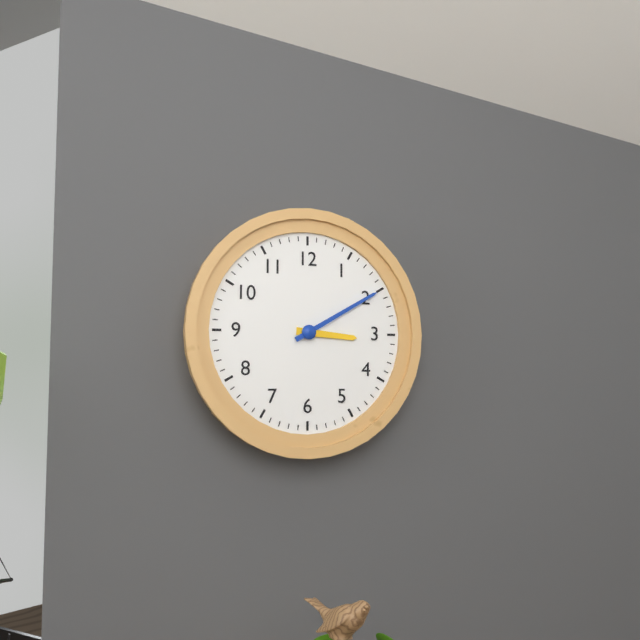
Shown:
3.10
